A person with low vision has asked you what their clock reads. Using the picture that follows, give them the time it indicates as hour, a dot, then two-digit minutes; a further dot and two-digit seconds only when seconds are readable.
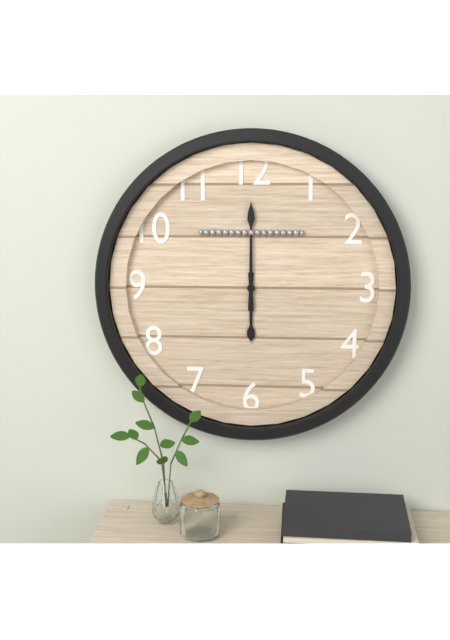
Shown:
6.00
